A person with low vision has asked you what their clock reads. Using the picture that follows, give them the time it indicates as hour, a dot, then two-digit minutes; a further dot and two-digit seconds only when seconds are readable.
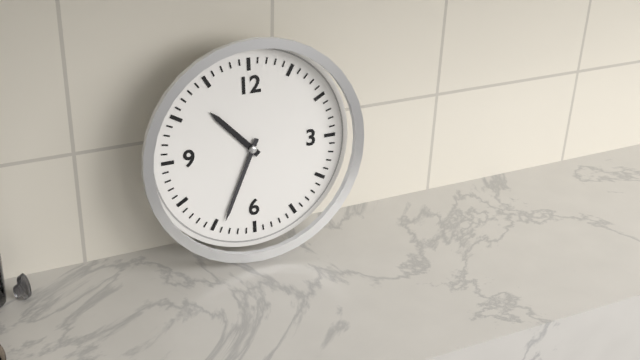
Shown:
10.34
